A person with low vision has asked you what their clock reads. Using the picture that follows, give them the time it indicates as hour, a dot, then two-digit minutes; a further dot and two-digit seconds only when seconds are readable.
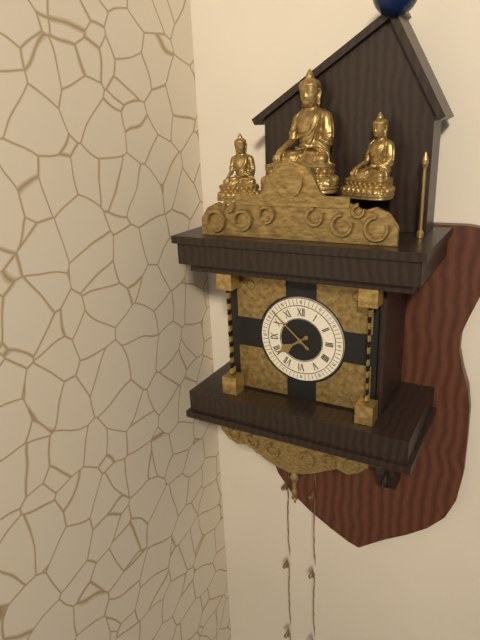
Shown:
7.52
